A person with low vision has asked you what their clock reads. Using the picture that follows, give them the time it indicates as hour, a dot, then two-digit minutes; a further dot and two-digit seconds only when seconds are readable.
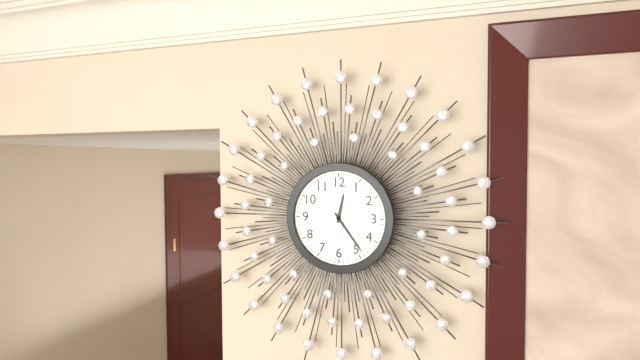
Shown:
12.24
